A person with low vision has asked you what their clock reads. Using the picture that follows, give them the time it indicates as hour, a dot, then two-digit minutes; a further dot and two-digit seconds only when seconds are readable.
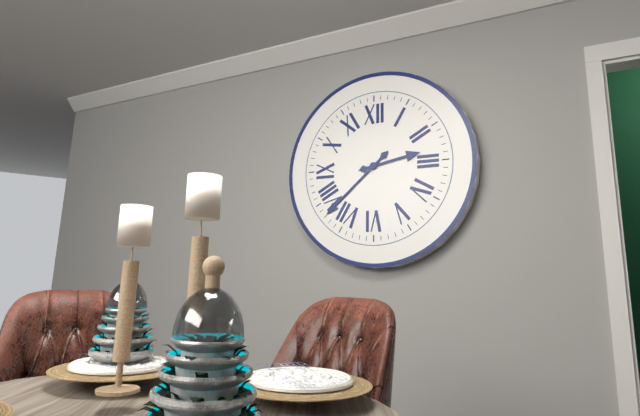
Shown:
2.38
